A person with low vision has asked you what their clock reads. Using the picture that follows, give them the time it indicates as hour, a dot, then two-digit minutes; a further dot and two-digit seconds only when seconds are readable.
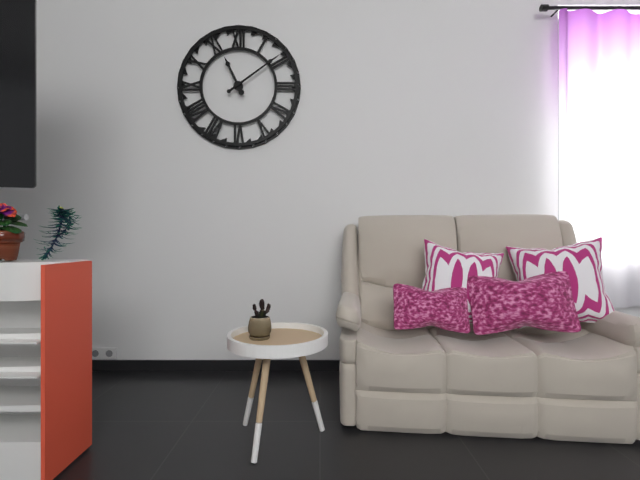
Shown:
11.09
